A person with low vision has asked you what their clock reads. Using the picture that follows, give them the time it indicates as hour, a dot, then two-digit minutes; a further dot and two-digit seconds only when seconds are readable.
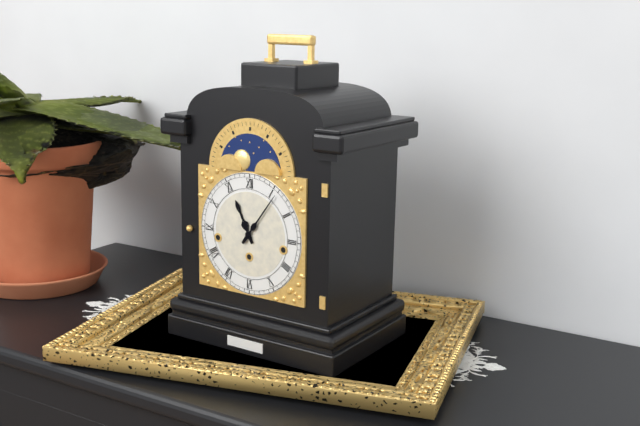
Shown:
11.06
